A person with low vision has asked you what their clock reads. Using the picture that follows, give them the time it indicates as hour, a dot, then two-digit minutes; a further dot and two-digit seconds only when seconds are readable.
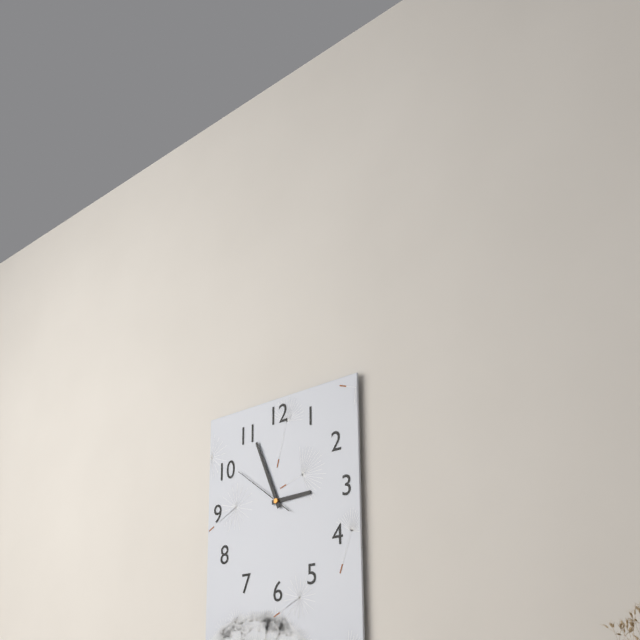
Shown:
2.56.51
